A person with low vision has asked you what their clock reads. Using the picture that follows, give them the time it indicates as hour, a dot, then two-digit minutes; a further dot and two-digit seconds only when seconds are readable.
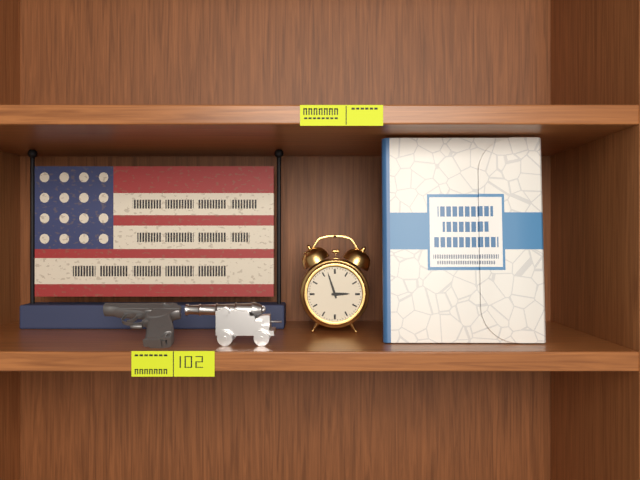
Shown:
2.57
